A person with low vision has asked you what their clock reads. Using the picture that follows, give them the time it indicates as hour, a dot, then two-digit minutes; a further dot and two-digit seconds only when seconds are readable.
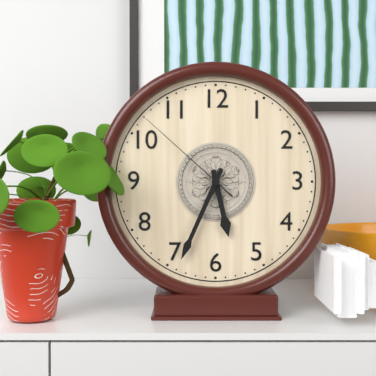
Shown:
5.34.52
